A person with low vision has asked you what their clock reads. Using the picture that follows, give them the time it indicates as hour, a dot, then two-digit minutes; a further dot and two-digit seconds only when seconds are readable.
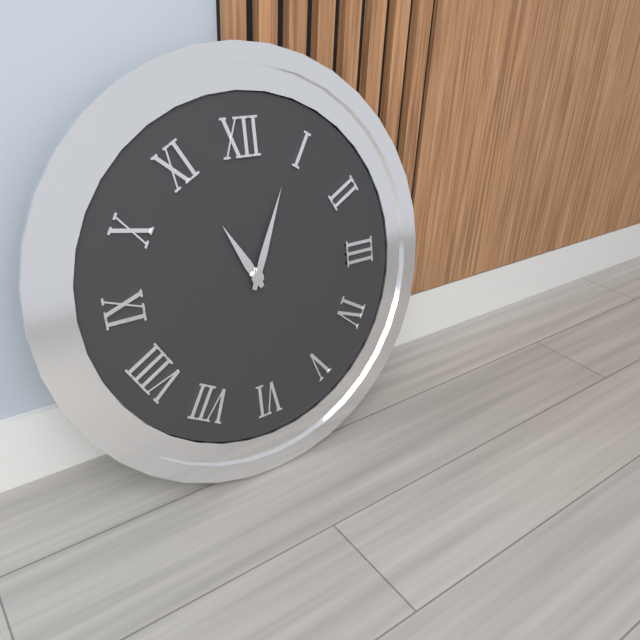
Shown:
11.04
